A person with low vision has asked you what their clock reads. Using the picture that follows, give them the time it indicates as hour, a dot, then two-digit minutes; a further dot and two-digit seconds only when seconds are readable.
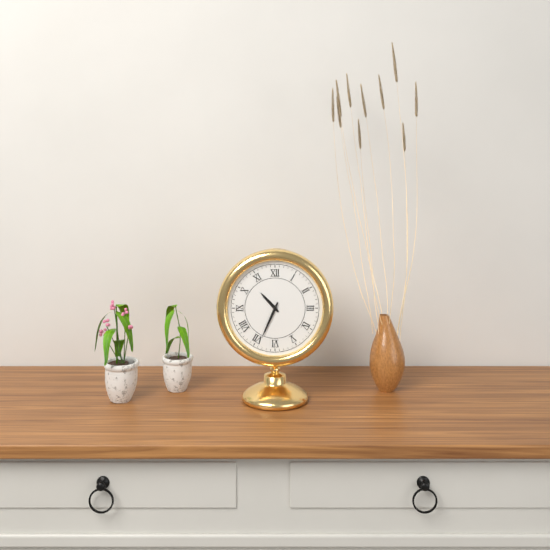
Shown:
10.34
